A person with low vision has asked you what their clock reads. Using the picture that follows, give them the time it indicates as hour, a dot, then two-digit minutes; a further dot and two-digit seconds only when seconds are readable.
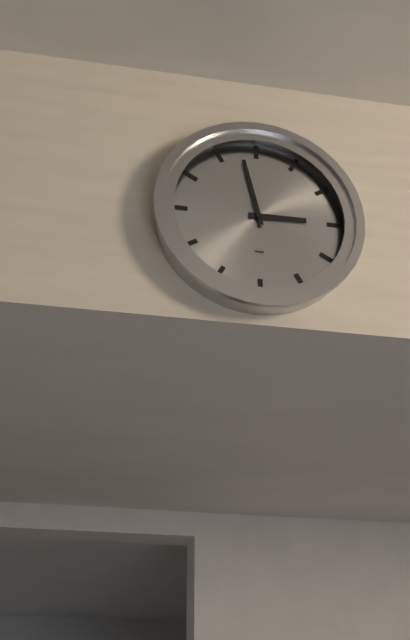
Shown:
2.58
